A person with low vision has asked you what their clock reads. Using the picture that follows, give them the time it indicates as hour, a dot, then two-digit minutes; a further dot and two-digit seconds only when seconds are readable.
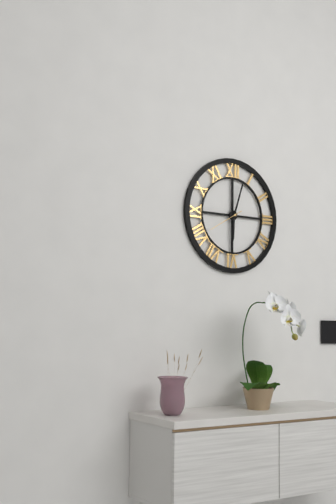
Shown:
6.03
